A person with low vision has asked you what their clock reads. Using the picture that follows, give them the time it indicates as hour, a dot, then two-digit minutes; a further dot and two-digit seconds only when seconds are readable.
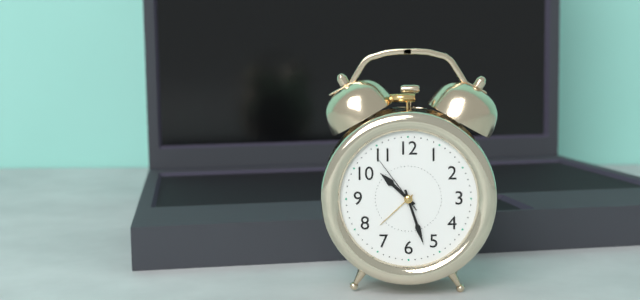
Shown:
10.27.54
